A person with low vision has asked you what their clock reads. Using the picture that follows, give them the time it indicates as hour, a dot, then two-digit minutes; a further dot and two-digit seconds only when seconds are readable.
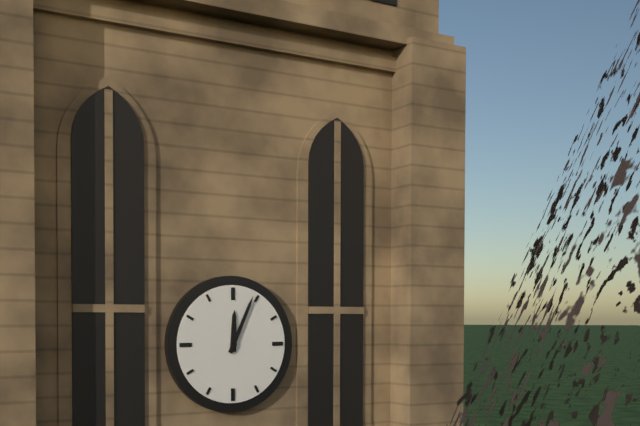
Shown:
12.04
